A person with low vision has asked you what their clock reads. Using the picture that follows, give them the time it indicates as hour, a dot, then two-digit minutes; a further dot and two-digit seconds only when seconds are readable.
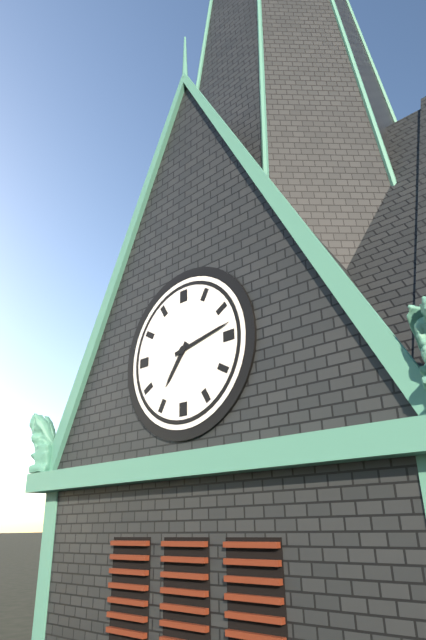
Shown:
7.13
